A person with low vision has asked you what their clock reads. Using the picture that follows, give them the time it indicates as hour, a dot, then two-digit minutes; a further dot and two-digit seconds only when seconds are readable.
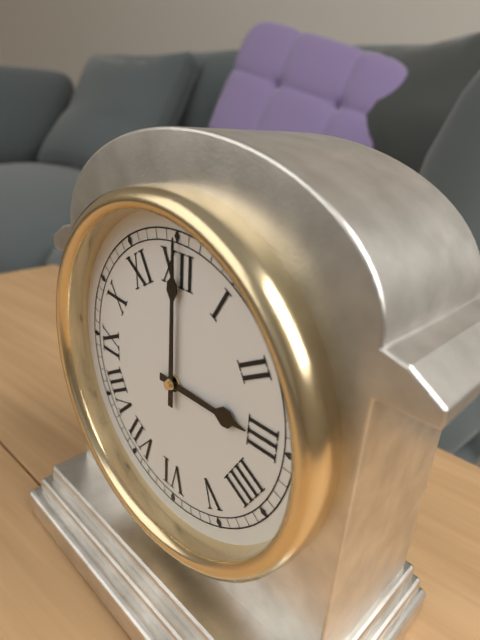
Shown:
3.00
